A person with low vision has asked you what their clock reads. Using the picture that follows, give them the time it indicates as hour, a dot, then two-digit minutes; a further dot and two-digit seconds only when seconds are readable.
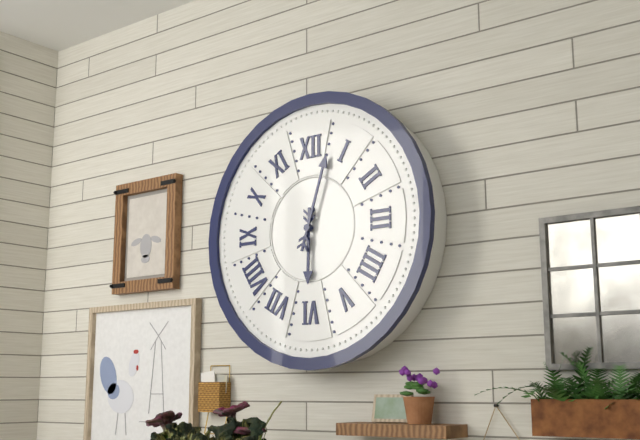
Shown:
6.03
